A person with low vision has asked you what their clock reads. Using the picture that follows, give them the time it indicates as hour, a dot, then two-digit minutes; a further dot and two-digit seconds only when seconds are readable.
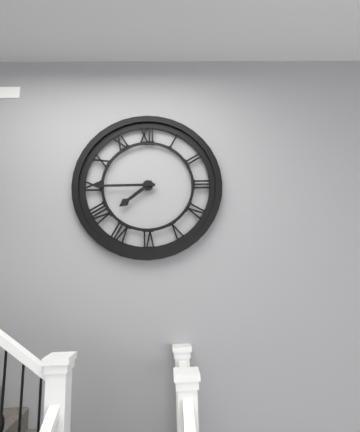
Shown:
7.45
